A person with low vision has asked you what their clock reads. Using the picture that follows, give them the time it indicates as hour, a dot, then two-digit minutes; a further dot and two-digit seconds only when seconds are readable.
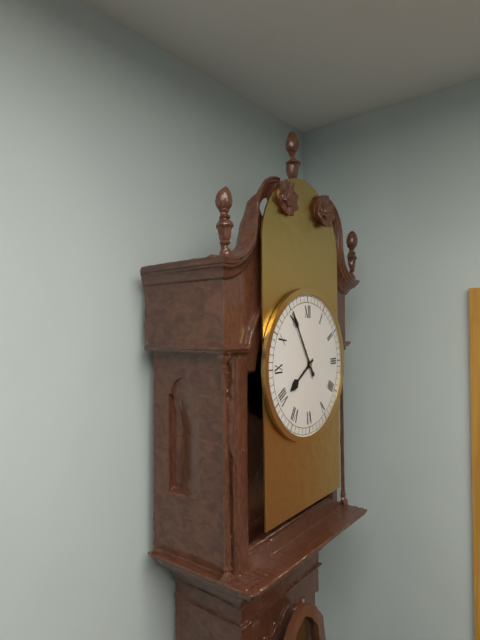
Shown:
7.55
